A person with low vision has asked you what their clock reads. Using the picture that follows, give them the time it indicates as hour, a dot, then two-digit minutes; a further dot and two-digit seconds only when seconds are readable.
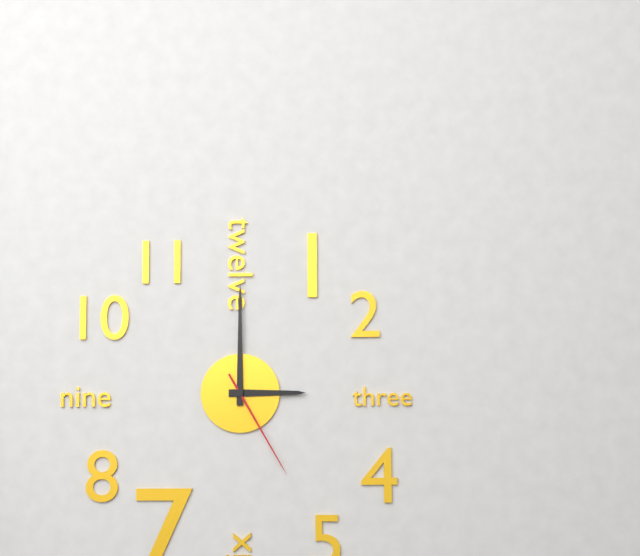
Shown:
3.00.25
